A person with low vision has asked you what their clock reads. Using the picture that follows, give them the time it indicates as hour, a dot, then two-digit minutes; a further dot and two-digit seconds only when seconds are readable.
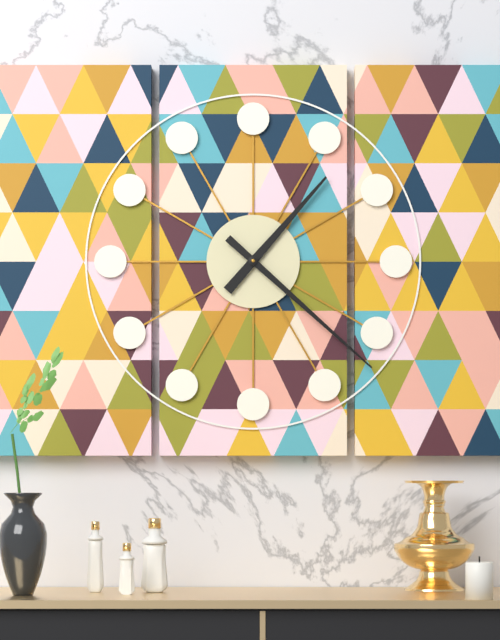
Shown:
1.22
